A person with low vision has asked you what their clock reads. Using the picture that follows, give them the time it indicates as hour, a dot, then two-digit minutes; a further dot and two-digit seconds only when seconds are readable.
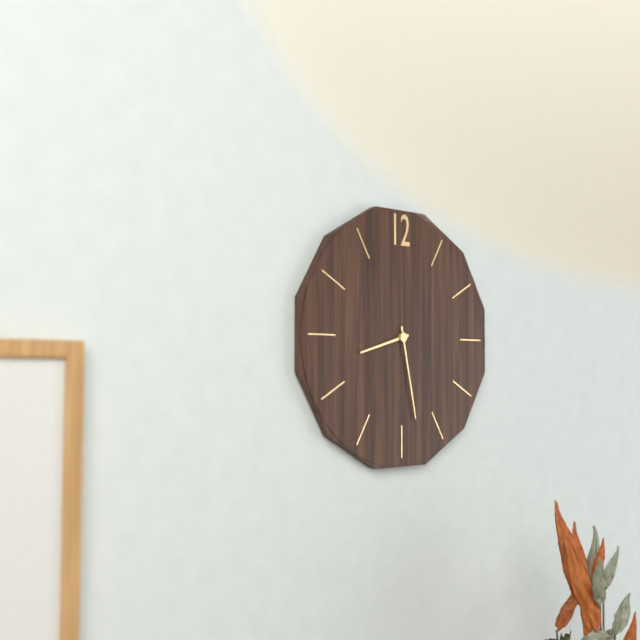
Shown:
8.28
